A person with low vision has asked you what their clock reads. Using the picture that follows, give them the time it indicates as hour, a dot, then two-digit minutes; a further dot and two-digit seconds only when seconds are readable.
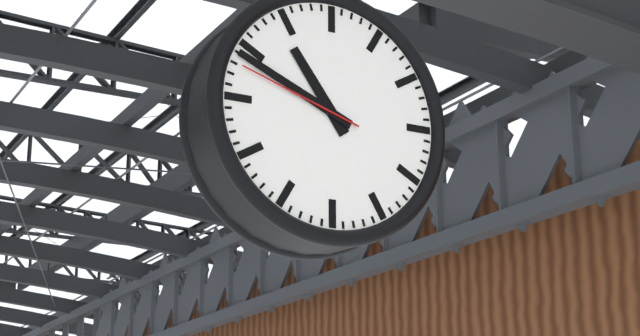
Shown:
10.49.48
